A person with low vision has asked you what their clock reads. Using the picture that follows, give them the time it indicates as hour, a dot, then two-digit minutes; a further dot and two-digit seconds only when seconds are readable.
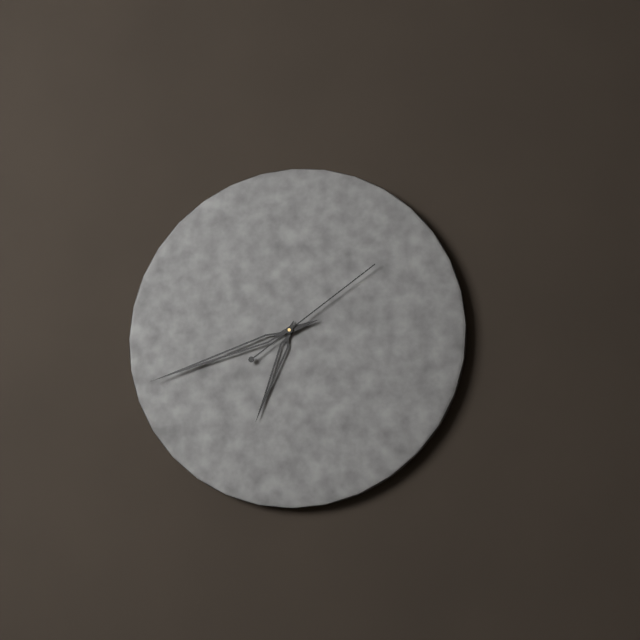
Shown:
6.42.09
